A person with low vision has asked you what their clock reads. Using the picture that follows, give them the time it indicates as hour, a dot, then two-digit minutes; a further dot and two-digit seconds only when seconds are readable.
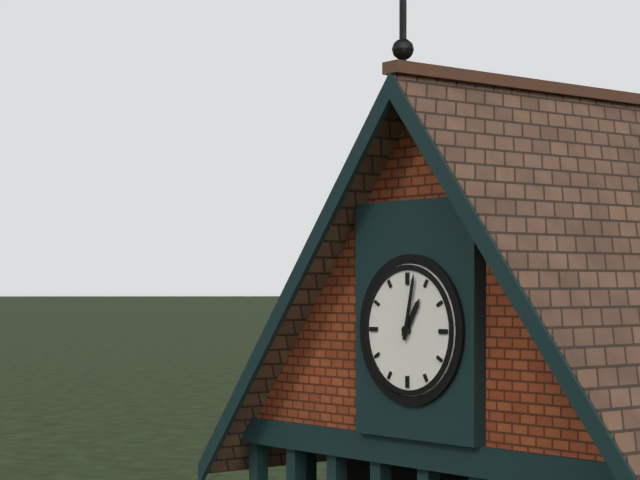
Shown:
1.02
